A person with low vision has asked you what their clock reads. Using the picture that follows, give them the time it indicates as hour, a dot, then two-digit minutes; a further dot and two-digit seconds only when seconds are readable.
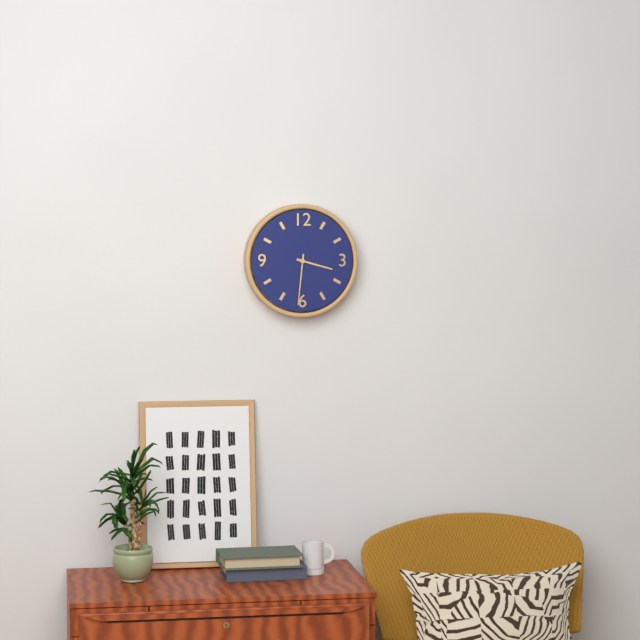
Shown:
3.31
